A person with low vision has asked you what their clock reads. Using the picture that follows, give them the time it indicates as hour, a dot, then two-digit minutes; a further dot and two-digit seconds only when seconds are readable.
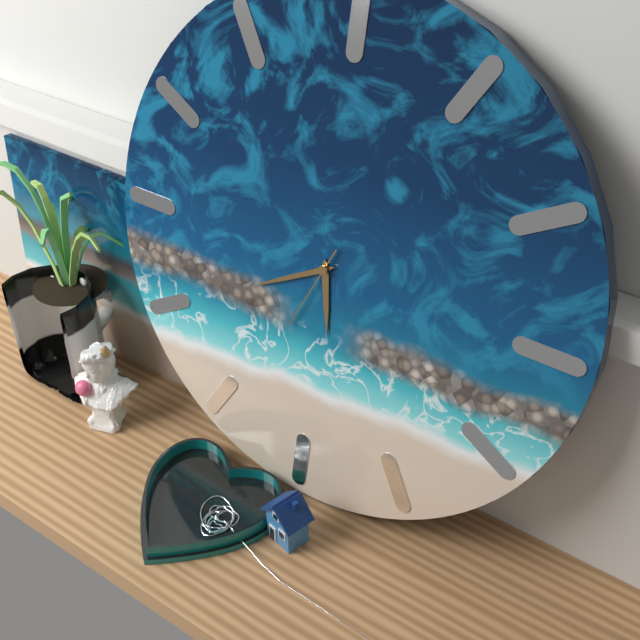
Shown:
5.40.34
